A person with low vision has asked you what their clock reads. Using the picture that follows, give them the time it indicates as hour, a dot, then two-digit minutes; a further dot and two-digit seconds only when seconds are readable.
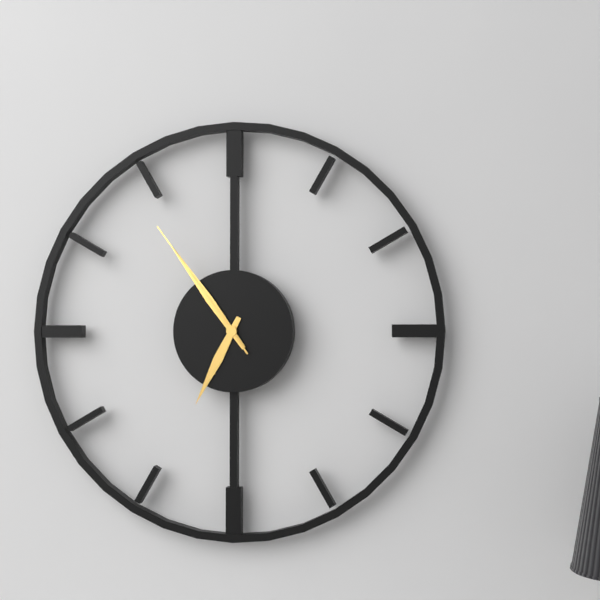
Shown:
6.54.54
